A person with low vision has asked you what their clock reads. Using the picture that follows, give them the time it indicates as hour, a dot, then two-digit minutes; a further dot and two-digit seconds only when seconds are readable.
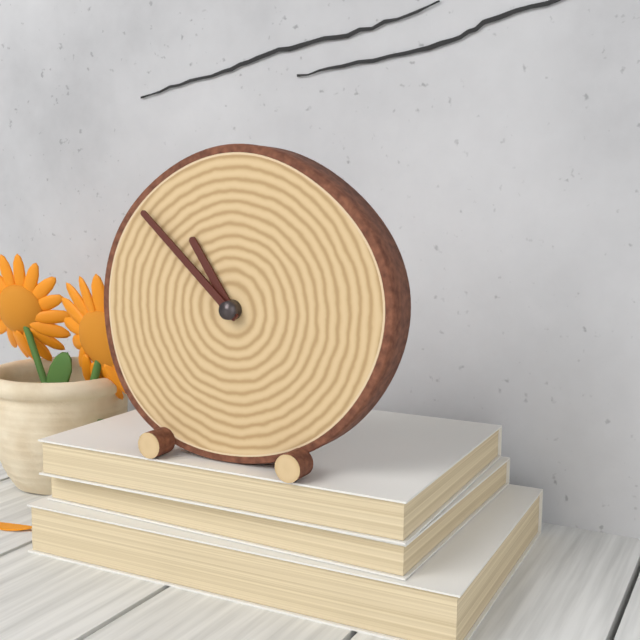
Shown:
10.52
